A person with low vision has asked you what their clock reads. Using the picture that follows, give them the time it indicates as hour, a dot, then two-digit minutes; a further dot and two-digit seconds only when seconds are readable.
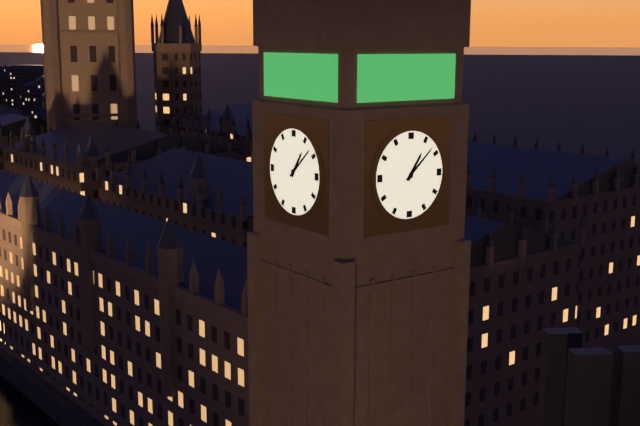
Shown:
1.08
